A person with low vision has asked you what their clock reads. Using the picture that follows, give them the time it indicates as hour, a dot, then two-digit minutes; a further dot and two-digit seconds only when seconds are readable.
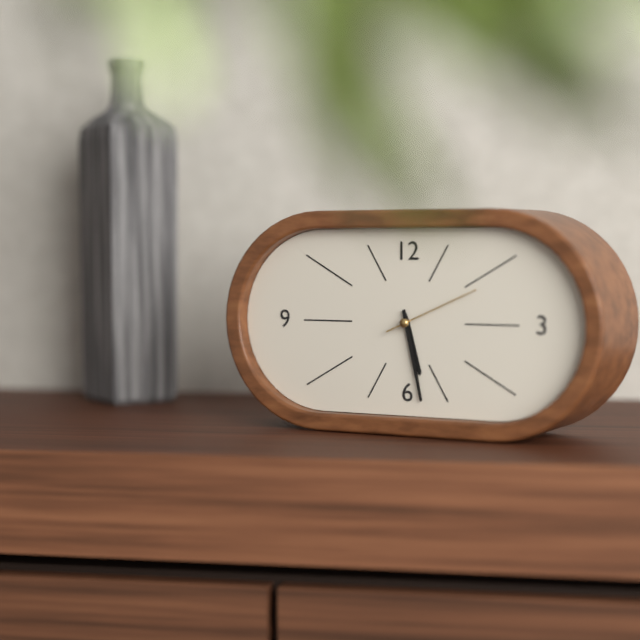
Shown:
5.28.11
